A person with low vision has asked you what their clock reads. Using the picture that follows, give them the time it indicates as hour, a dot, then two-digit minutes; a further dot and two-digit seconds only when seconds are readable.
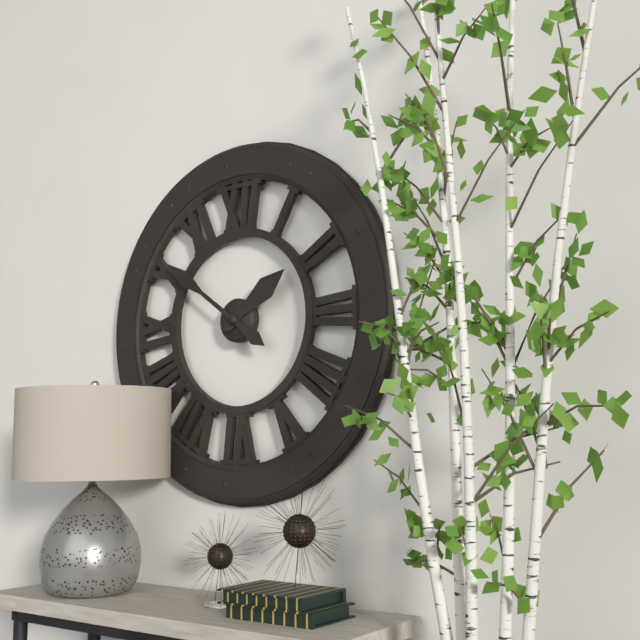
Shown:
1.51
